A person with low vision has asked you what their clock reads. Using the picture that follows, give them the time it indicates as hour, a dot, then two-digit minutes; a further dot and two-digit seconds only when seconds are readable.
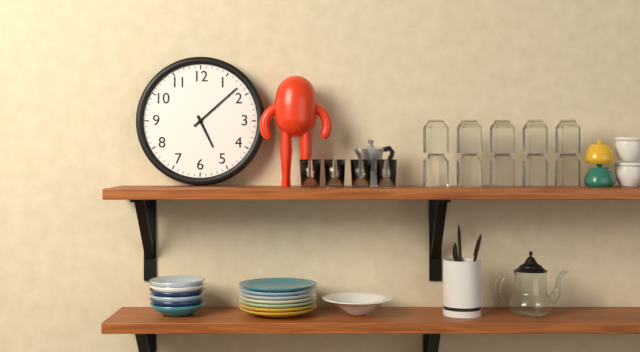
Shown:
5.08
